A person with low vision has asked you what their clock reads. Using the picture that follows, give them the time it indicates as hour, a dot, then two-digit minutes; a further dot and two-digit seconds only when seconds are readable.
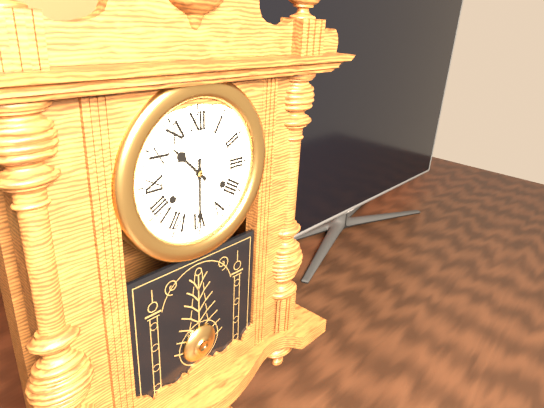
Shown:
10.30
